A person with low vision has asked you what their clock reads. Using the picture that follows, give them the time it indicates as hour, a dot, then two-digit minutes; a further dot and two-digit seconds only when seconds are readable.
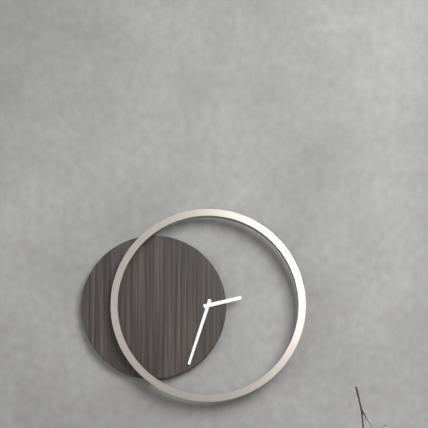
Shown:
2.33
